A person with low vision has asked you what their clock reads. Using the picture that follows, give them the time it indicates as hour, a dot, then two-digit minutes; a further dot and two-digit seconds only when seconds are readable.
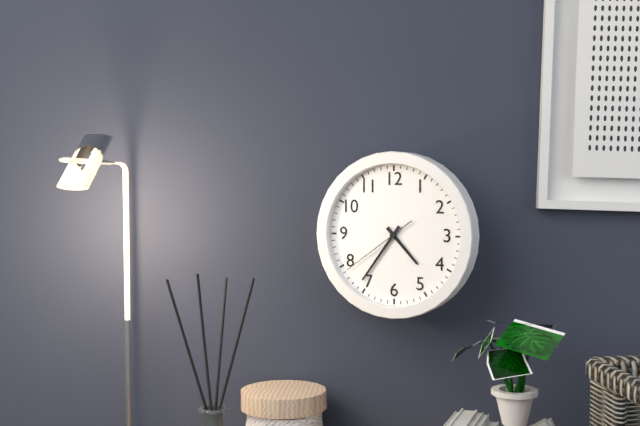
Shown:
4.36.39
